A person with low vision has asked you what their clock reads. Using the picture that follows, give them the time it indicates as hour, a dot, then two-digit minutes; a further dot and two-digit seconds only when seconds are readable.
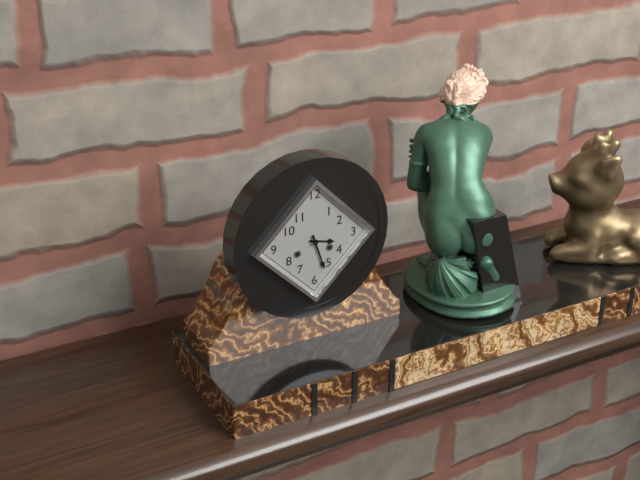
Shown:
3.27
